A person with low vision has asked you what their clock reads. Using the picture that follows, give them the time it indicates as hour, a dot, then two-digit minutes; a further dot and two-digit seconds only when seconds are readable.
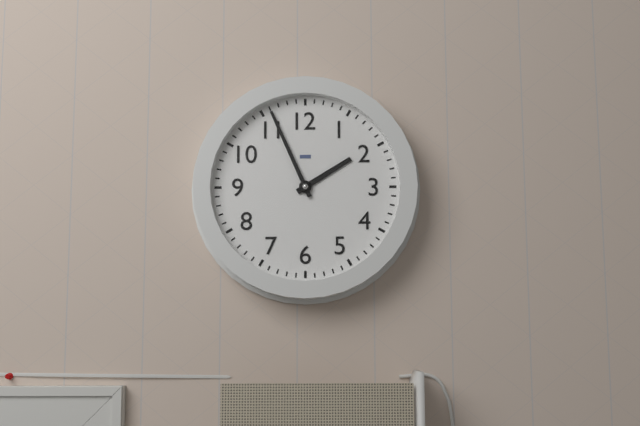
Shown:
1.56
